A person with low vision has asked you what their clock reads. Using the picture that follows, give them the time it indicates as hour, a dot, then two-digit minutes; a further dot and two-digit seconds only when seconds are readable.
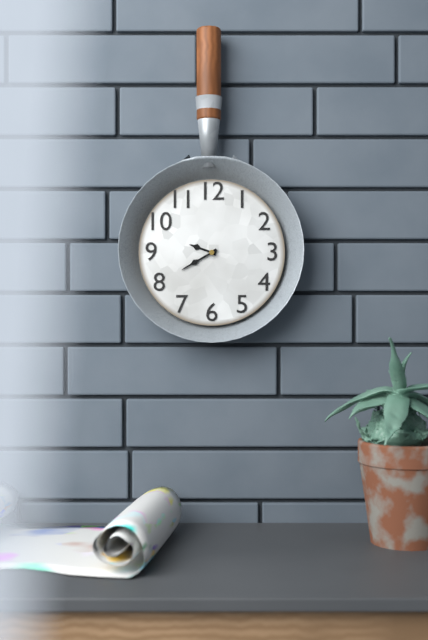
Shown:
9.40
